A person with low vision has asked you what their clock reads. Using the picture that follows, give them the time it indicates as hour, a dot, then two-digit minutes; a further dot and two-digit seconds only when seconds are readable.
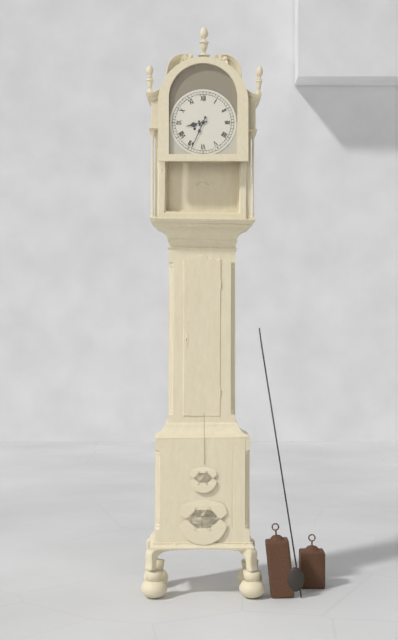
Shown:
8.34
